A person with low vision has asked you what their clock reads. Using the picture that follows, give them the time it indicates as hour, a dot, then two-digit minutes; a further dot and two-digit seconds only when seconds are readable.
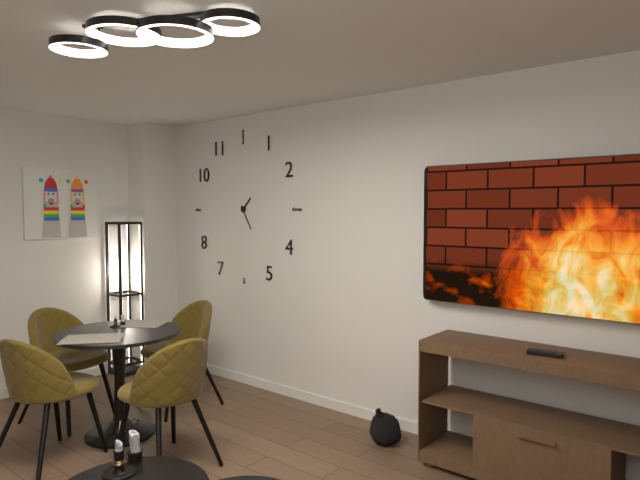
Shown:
1.25
